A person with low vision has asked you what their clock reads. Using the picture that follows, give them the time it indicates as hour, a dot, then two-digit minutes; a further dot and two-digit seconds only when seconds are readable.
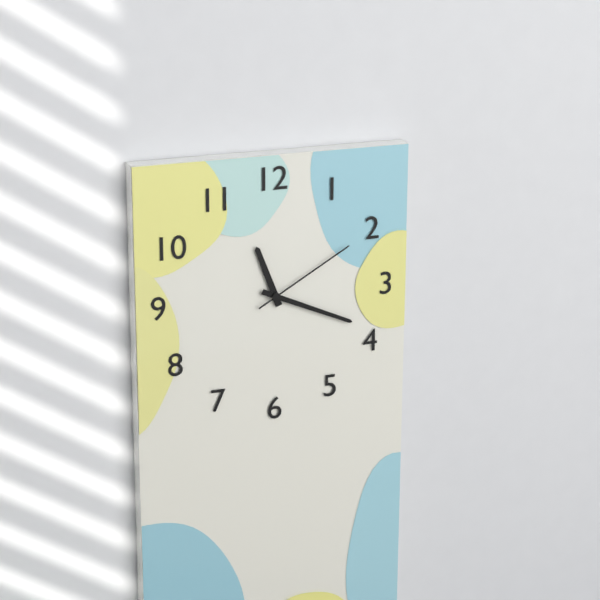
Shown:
11.19.10
